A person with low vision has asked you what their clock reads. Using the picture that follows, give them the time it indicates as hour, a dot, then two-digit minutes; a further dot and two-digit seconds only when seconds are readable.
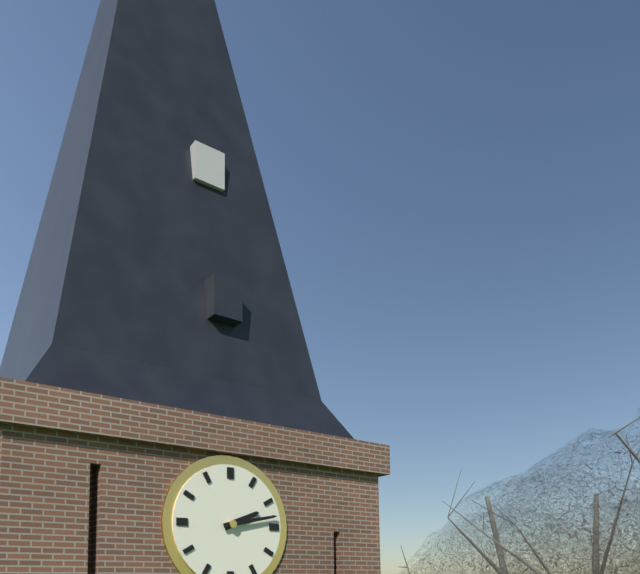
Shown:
2.13
